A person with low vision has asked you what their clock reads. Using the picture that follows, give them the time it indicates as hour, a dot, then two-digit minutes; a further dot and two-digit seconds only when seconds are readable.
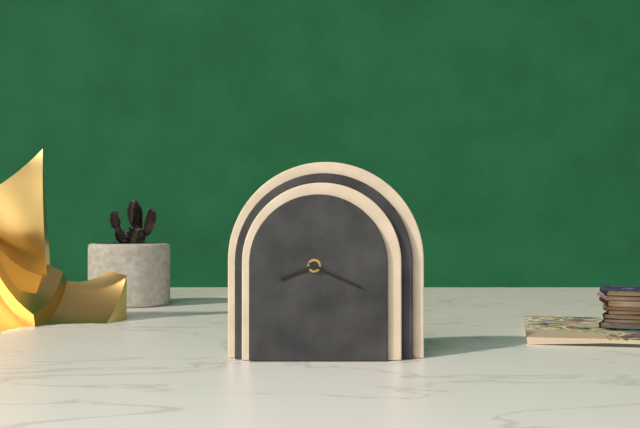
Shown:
8.19
